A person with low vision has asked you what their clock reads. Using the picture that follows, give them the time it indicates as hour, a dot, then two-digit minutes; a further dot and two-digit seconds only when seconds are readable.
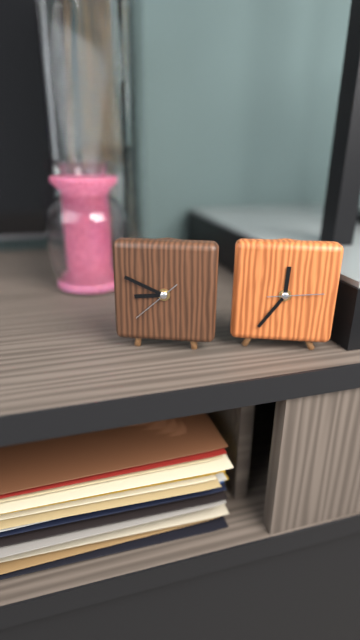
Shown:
8.49
